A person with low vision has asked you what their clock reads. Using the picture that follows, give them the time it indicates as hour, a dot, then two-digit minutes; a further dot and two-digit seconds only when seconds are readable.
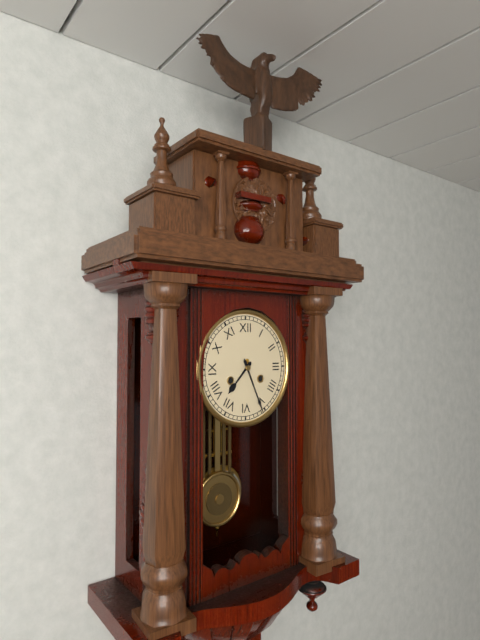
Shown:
7.26
